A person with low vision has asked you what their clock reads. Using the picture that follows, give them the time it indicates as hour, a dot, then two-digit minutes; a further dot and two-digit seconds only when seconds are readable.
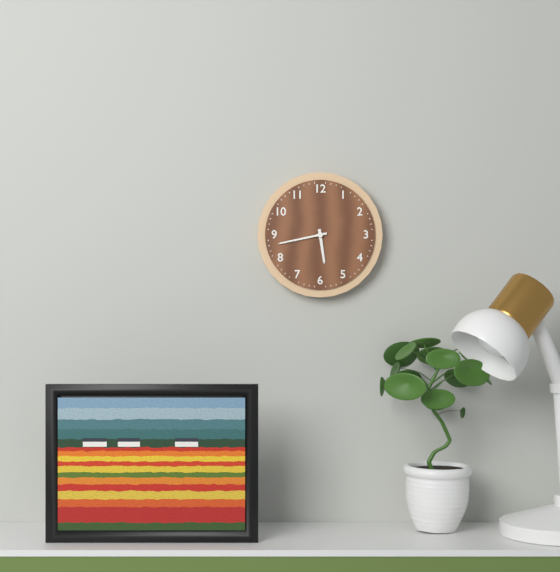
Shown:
5.43
